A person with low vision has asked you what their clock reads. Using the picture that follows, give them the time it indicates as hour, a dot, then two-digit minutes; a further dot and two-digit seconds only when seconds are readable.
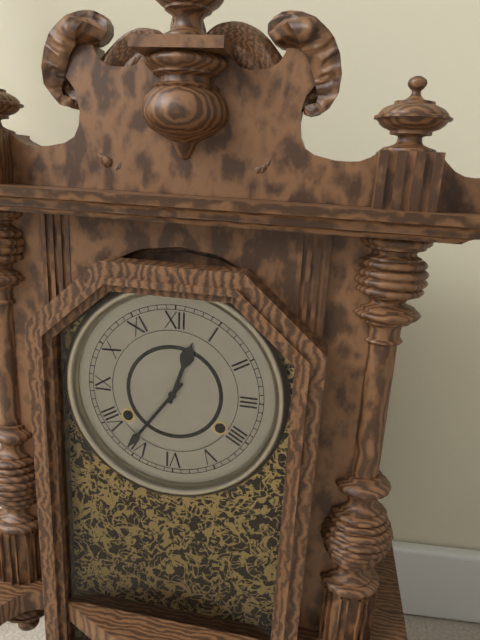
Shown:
12.36
